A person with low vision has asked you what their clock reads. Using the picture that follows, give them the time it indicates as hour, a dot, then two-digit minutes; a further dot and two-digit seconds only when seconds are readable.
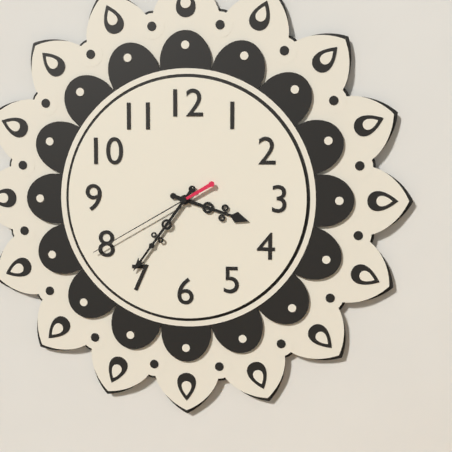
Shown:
3.36.40
